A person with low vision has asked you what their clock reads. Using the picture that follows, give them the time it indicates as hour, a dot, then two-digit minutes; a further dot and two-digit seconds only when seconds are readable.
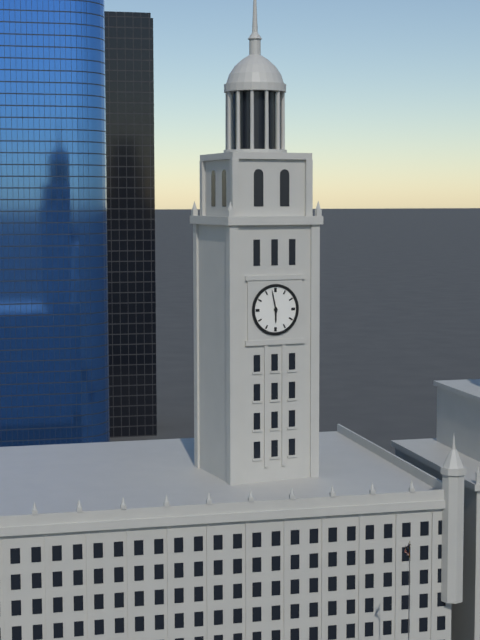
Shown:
5.58
